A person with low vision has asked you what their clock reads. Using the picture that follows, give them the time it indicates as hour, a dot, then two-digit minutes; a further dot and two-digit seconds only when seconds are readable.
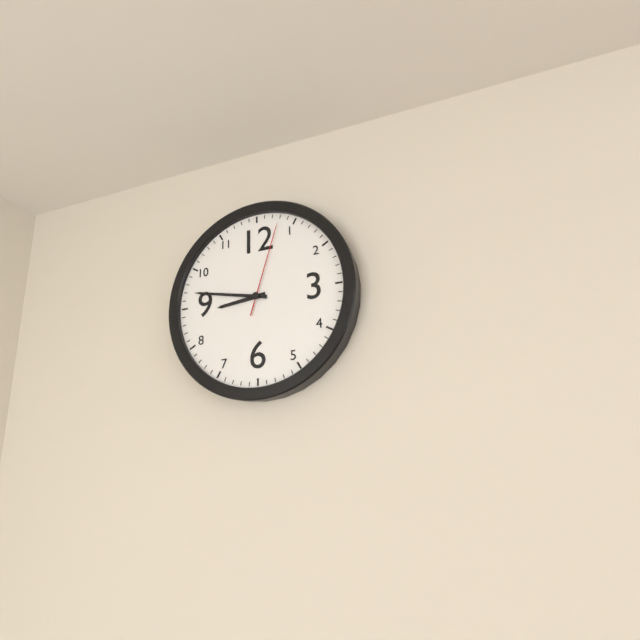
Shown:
8.47.03
